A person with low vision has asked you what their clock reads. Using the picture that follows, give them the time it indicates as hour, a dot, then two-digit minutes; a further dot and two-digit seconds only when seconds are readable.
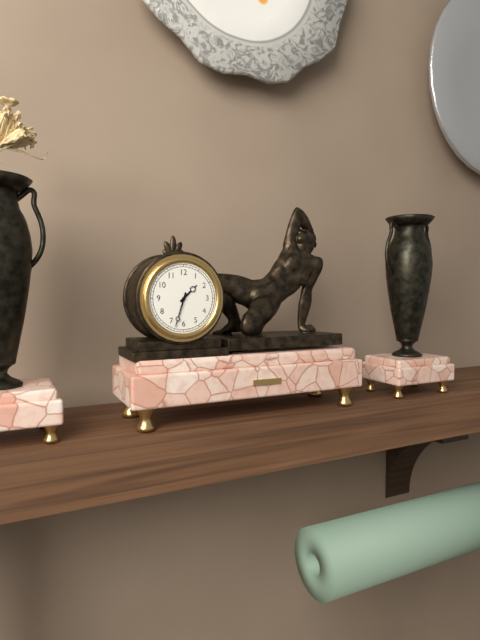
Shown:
1.33
